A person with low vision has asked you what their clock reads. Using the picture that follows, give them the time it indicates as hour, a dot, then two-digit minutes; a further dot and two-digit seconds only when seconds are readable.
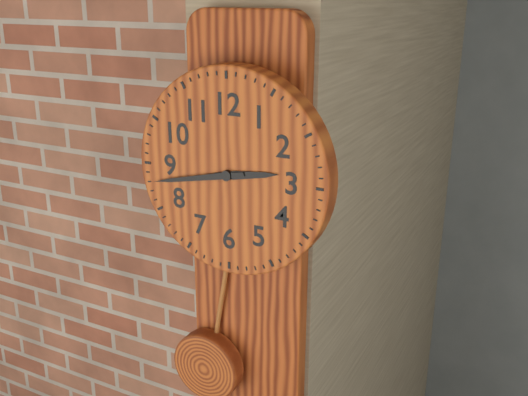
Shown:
2.43
